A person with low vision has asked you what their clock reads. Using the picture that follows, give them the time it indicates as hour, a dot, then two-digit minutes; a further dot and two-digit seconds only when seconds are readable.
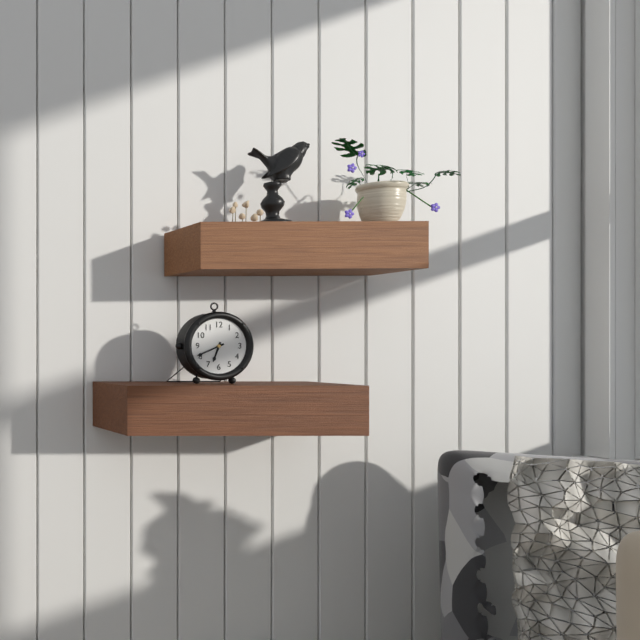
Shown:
6.41
